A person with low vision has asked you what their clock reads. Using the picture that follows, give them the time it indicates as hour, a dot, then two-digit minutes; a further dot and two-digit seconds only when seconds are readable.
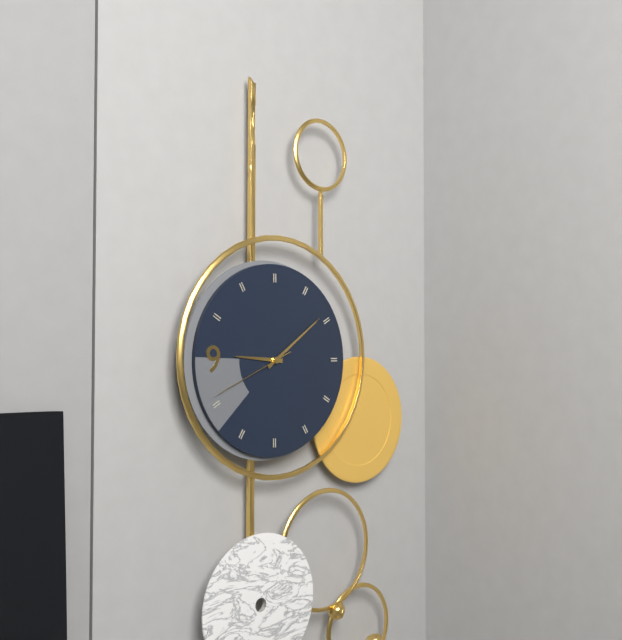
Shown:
9.09.41
